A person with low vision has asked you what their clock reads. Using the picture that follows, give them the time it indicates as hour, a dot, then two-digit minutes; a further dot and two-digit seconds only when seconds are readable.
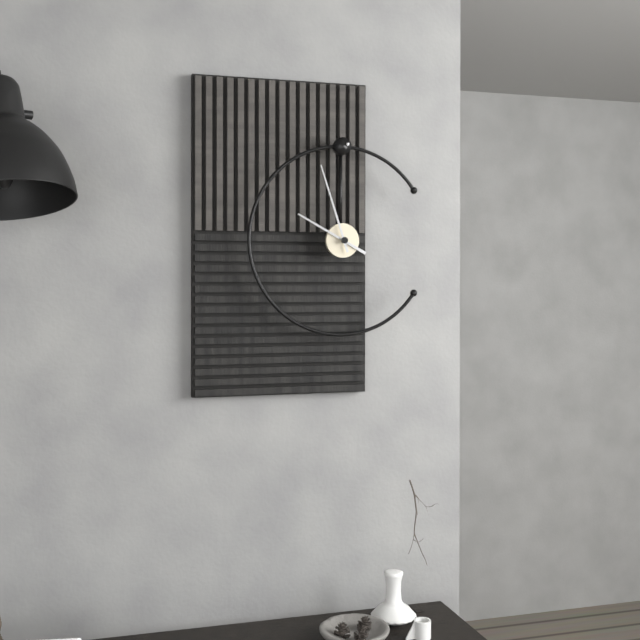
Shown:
9.57
